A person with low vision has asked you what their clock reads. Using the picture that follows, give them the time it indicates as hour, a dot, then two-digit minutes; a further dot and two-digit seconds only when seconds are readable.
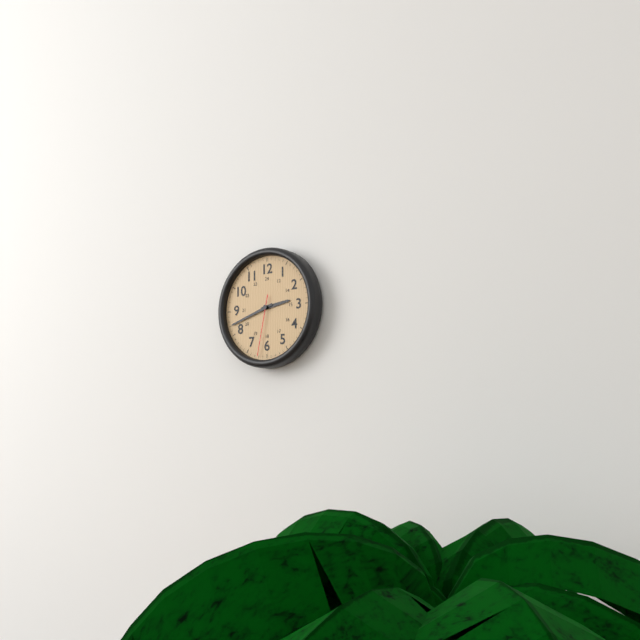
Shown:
2.42.32
